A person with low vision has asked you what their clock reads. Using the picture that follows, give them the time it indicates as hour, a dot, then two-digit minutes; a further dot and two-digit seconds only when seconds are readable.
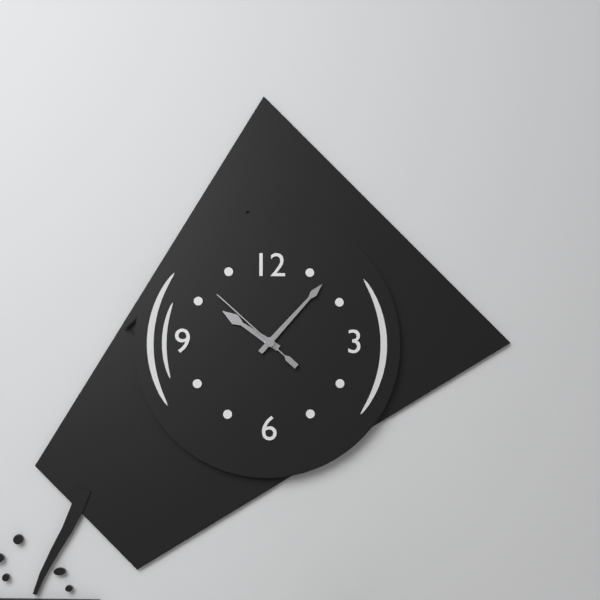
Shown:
10.07.52
